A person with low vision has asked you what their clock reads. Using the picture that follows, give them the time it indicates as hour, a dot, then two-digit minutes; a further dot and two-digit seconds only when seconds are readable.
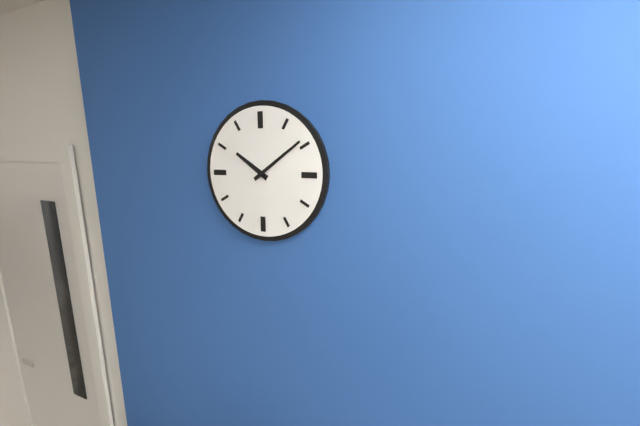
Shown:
10.09
